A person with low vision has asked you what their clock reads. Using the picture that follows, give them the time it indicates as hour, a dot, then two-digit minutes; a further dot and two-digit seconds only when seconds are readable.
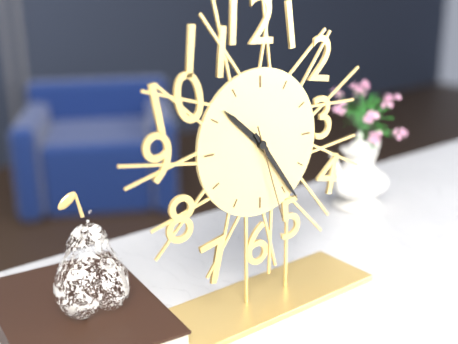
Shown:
10.24.27
